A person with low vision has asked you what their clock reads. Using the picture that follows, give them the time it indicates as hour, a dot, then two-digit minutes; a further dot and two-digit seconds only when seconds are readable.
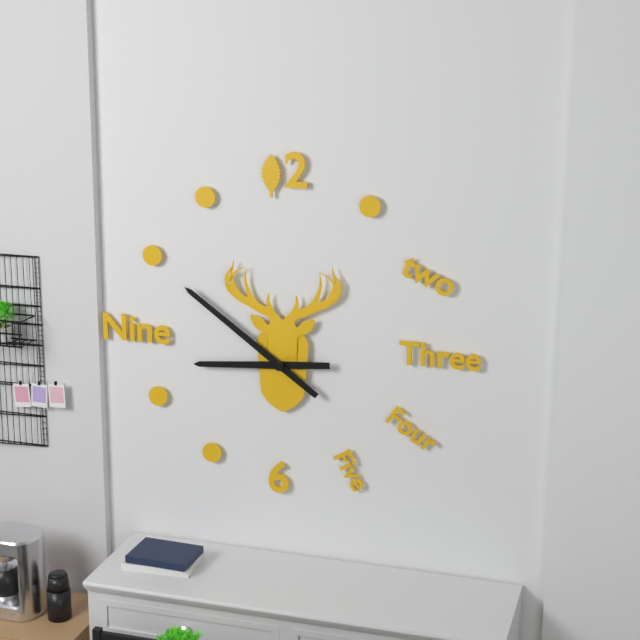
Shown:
8.51
